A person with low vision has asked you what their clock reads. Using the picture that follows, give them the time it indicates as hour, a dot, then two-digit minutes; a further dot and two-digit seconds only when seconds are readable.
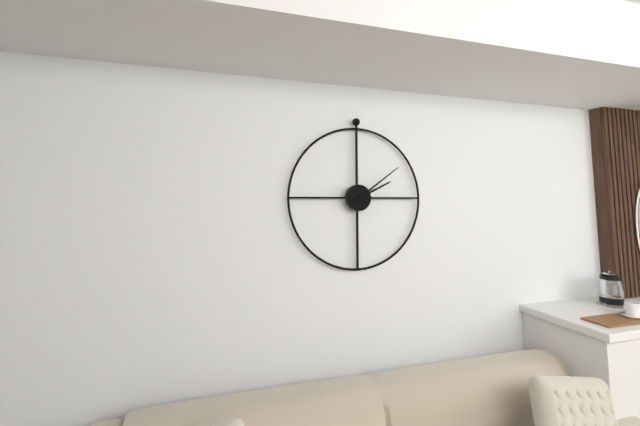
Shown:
2.09
